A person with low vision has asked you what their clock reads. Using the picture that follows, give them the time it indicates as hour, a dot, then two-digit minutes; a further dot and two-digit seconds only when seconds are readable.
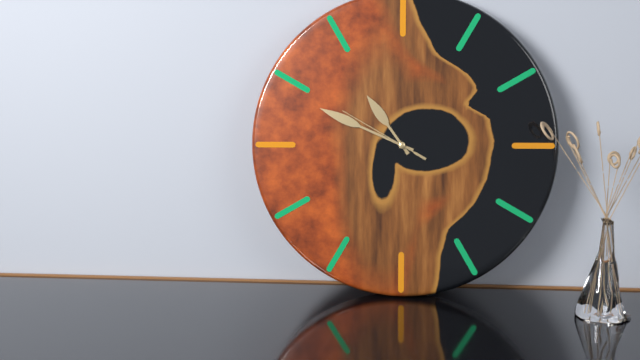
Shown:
10.49.50
